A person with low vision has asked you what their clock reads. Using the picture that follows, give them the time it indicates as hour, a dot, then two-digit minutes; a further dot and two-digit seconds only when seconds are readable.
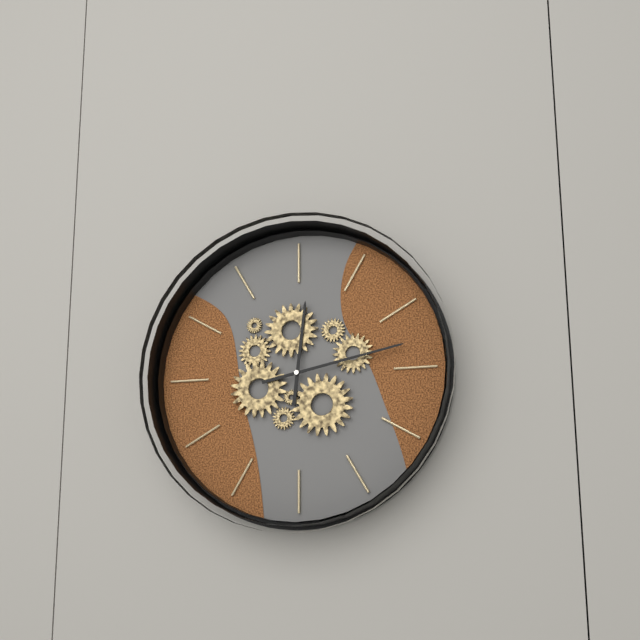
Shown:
12.13
